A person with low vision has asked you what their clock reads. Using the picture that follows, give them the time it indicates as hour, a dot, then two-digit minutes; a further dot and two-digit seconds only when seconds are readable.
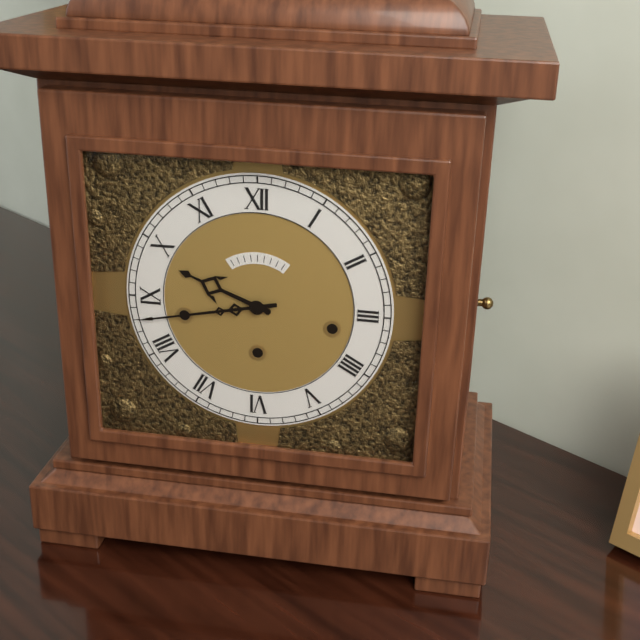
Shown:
9.43
